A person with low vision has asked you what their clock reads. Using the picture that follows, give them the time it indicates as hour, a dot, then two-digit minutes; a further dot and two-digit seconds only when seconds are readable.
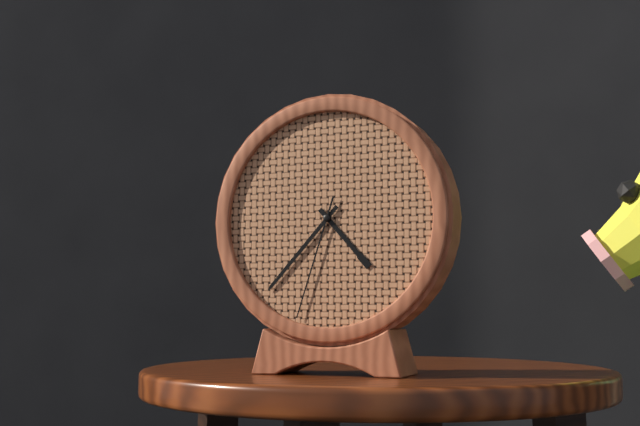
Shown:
4.37.33
